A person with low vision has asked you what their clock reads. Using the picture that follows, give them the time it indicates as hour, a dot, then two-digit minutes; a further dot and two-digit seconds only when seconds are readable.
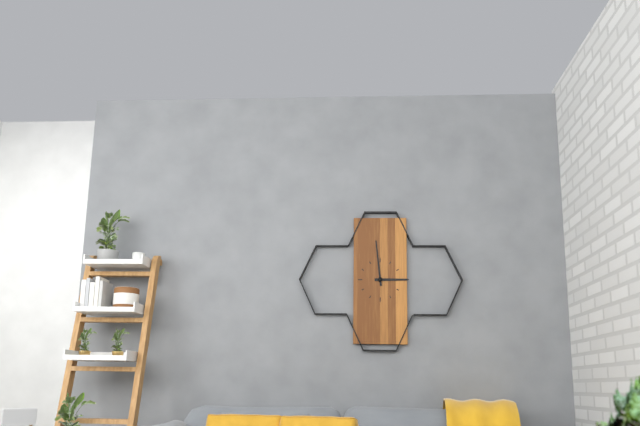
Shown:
2.59
